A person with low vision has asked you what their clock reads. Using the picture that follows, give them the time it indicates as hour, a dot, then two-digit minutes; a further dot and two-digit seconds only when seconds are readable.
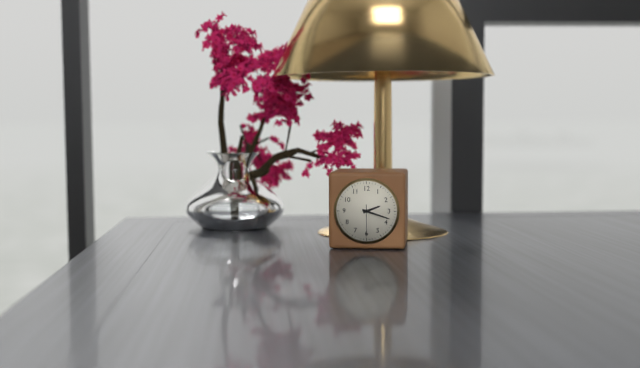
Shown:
2.18
